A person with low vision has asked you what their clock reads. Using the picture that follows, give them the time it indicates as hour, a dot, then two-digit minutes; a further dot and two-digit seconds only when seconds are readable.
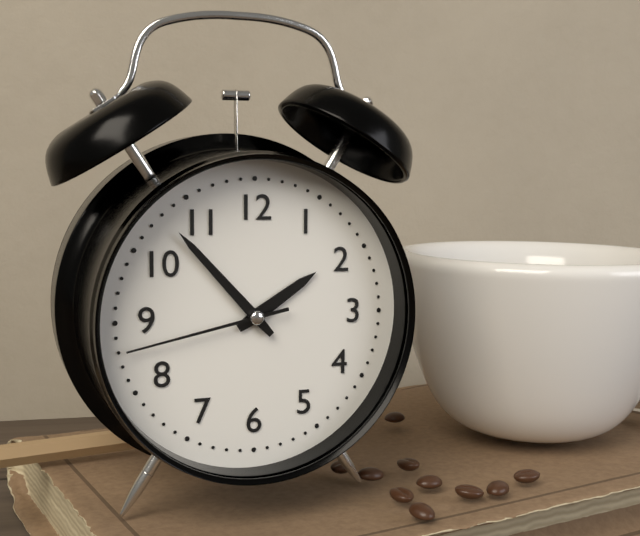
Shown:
1.53.43
